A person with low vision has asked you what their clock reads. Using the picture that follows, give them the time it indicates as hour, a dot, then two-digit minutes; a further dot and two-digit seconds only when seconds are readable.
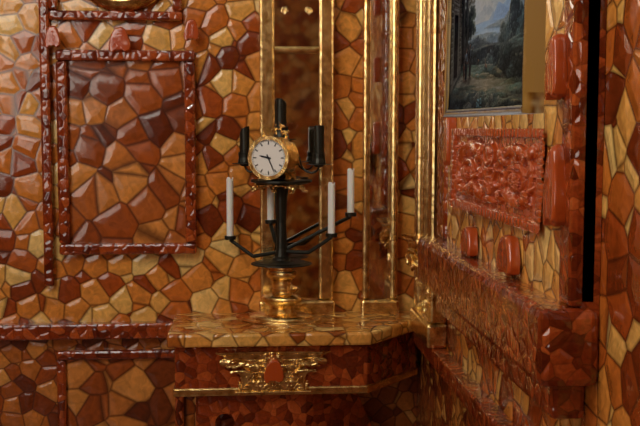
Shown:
9.26
